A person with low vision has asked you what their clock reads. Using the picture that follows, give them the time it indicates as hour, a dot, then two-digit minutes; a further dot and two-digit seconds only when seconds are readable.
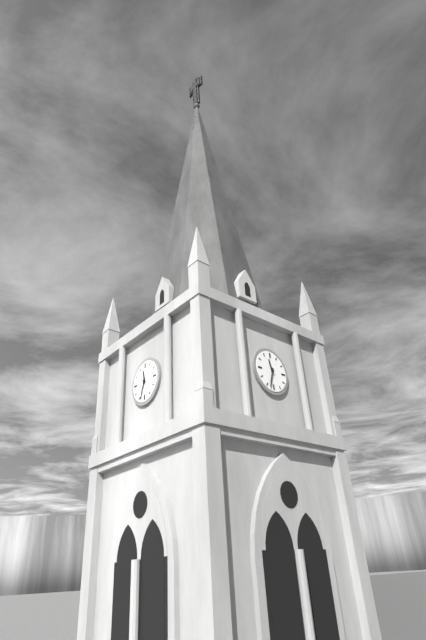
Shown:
11.33
